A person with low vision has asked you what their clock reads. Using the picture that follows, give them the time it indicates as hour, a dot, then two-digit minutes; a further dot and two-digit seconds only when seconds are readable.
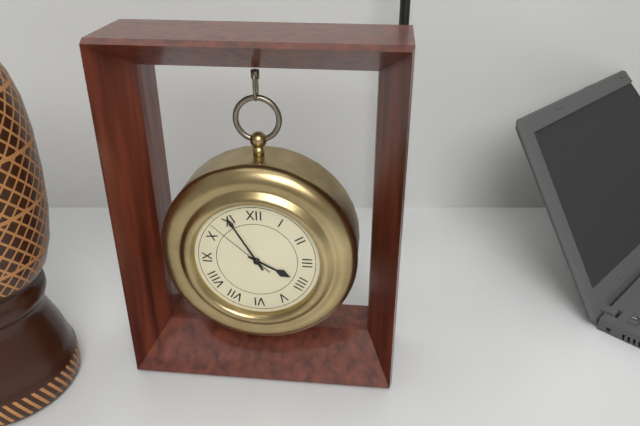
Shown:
3.55.52
